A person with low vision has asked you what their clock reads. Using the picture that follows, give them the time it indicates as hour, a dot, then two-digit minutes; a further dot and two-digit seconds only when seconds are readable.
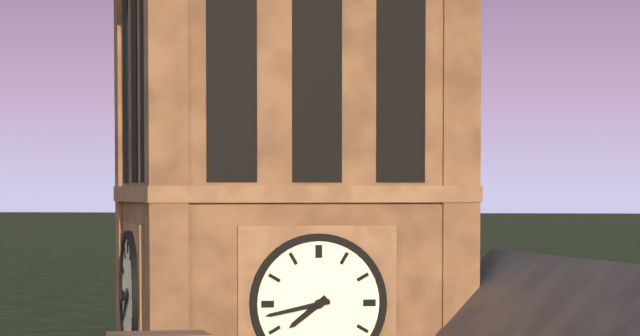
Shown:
7.43
